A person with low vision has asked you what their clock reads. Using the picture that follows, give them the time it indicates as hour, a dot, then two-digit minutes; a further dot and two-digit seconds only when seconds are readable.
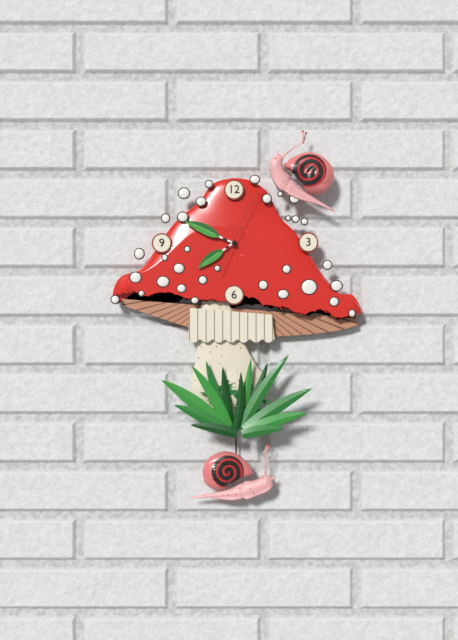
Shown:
7.49.04
